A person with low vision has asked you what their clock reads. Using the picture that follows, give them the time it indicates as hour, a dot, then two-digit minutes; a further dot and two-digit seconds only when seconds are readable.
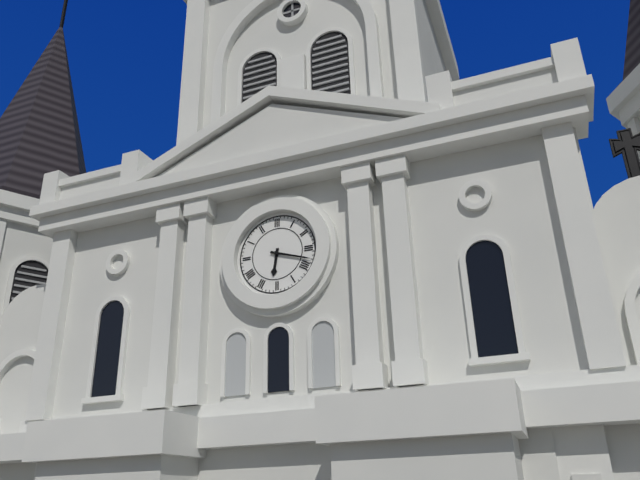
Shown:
6.18
